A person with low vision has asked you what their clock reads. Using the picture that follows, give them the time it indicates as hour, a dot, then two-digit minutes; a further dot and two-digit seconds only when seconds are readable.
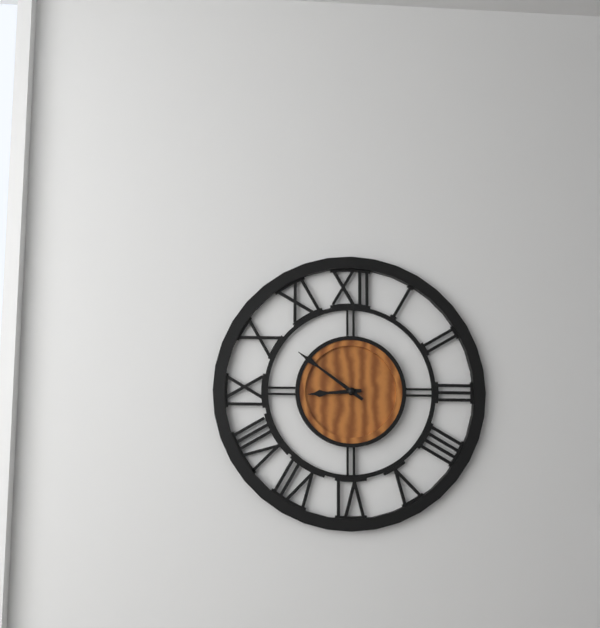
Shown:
8.51
